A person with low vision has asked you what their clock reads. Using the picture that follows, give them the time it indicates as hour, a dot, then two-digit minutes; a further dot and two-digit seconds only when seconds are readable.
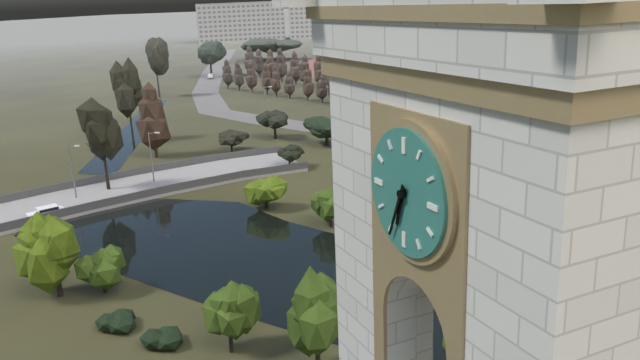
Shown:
6.34
